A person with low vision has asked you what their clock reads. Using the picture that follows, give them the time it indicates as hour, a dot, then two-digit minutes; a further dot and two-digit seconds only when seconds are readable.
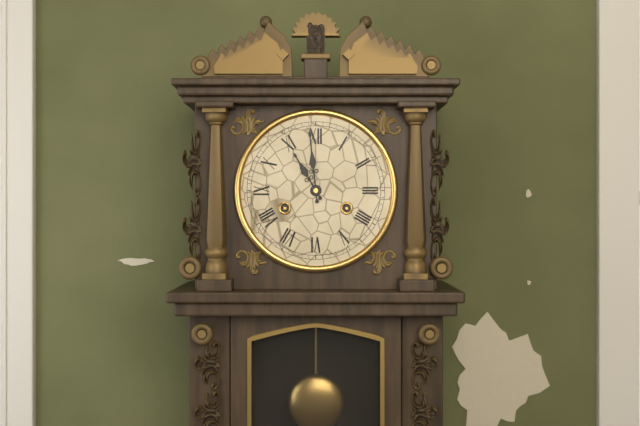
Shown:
10.59
